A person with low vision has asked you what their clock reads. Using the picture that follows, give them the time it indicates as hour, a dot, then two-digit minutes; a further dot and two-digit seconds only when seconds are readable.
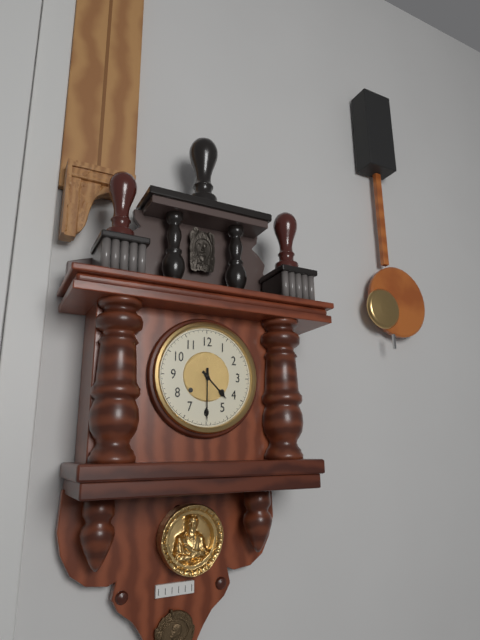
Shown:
4.30
